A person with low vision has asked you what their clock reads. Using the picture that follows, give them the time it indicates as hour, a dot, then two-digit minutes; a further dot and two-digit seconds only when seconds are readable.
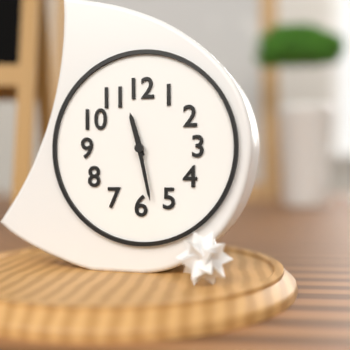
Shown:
11.28
